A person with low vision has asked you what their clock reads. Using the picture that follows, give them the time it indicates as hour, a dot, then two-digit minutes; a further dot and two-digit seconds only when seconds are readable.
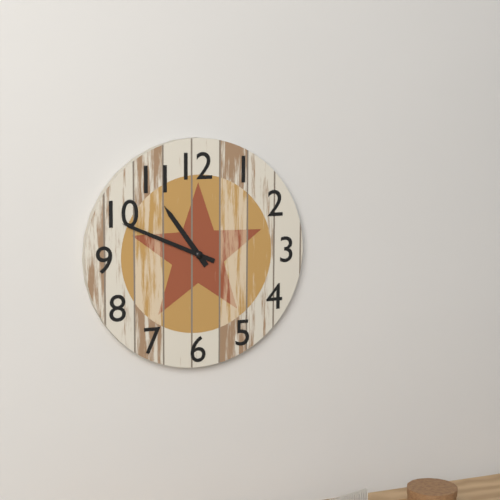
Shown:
10.49
